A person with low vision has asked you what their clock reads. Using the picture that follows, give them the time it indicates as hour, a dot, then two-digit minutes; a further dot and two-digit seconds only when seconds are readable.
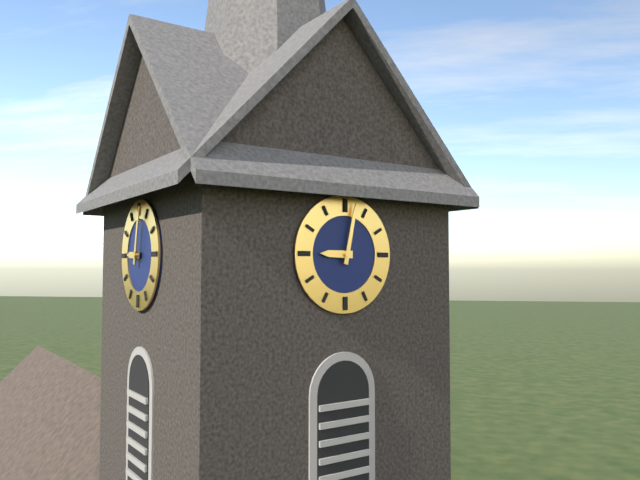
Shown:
9.02
